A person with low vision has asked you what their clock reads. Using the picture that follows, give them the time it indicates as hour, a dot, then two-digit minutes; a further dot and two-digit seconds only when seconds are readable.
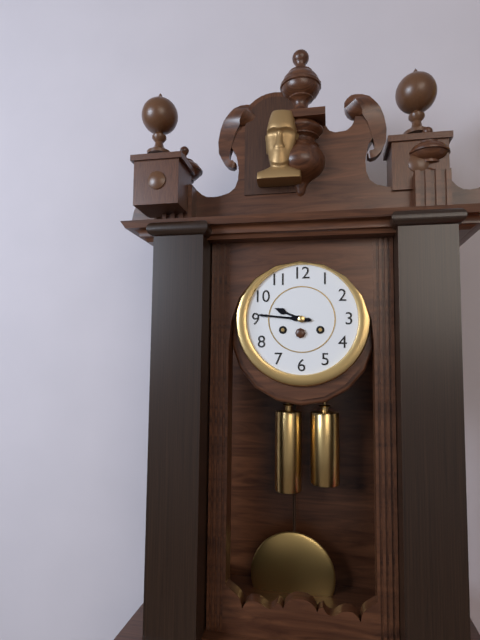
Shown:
9.46
